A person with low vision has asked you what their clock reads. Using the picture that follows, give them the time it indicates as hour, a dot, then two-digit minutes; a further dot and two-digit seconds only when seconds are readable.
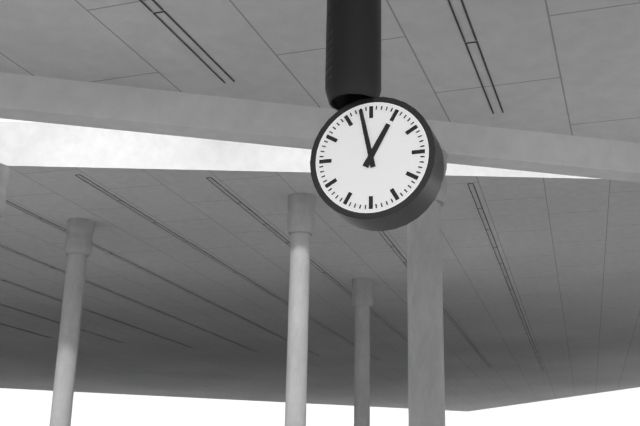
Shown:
12.58
